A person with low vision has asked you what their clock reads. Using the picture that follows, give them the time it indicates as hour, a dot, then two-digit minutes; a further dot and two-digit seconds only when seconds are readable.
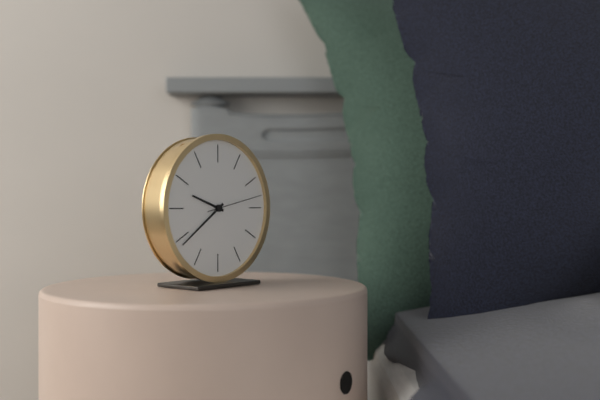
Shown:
9.39.13
